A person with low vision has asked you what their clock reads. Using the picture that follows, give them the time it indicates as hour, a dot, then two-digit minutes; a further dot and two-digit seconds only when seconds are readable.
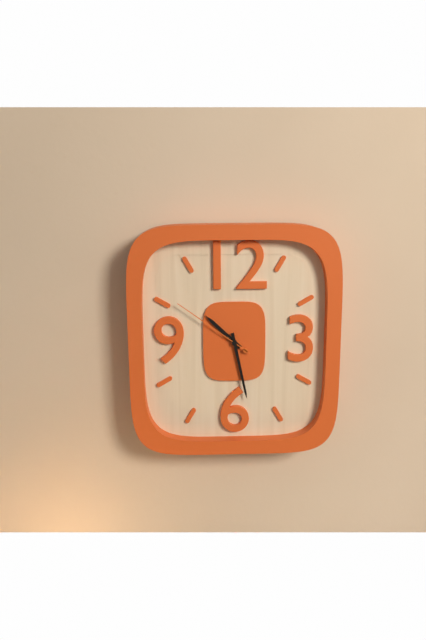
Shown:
10.28.51
